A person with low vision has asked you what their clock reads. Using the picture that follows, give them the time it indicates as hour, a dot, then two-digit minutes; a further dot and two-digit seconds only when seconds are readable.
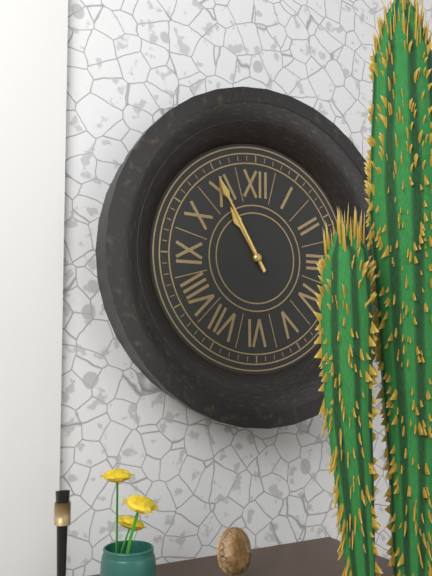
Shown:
10.55
